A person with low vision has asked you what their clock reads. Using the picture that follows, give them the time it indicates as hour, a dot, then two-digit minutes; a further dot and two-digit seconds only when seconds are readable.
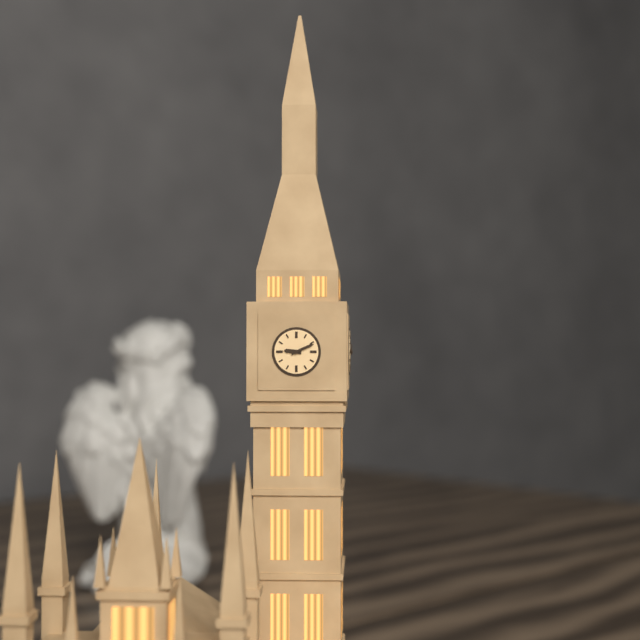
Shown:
9.11
